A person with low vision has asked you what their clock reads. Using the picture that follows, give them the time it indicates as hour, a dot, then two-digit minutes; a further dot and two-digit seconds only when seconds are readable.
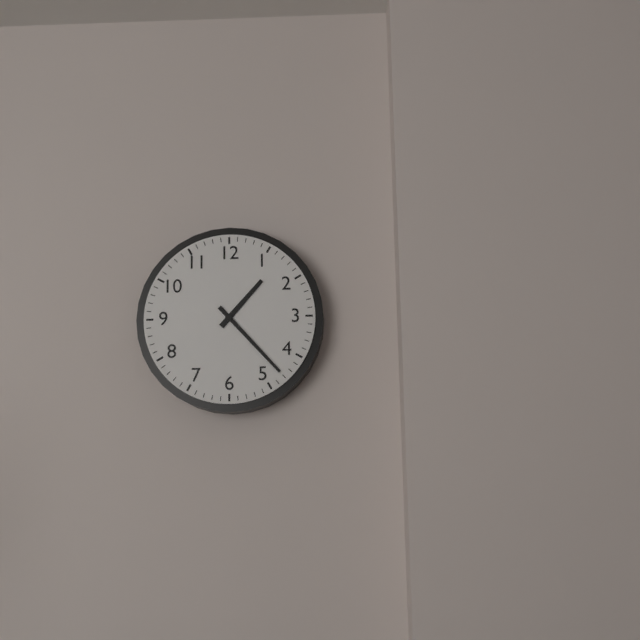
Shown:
1.23
